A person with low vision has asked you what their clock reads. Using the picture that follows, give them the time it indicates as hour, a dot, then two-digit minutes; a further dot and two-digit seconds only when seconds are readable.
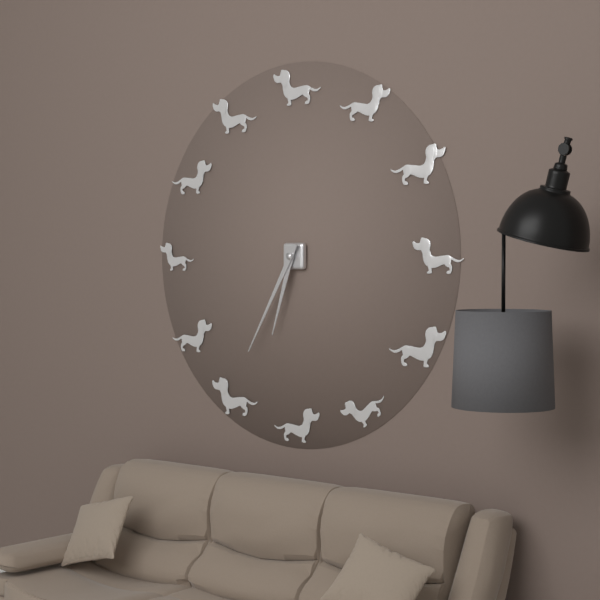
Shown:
6.35
